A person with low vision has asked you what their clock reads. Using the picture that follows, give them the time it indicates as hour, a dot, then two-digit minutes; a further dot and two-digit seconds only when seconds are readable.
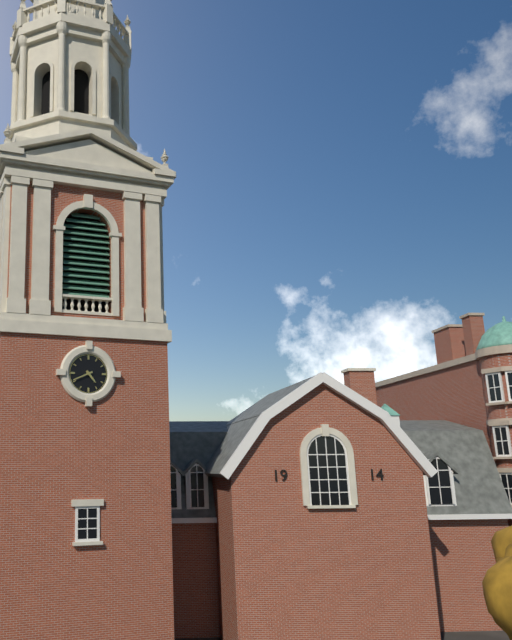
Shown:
4.41
